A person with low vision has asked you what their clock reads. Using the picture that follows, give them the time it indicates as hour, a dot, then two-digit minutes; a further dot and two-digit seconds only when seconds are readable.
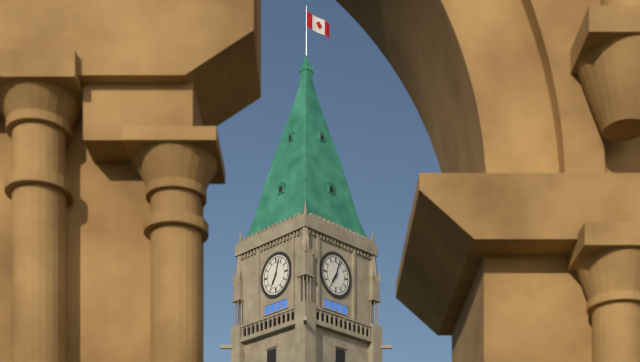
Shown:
7.03
